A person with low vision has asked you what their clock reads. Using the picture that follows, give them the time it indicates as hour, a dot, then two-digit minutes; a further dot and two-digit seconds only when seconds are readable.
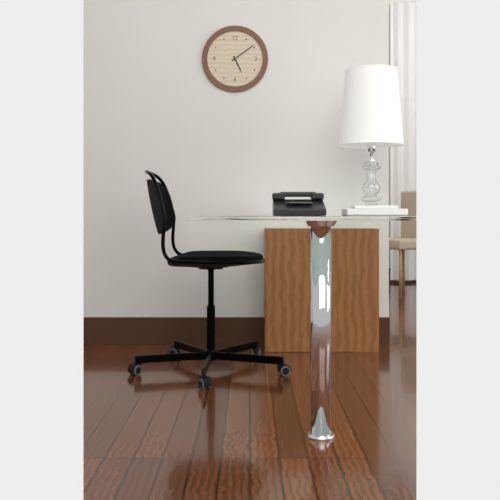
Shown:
5.09
